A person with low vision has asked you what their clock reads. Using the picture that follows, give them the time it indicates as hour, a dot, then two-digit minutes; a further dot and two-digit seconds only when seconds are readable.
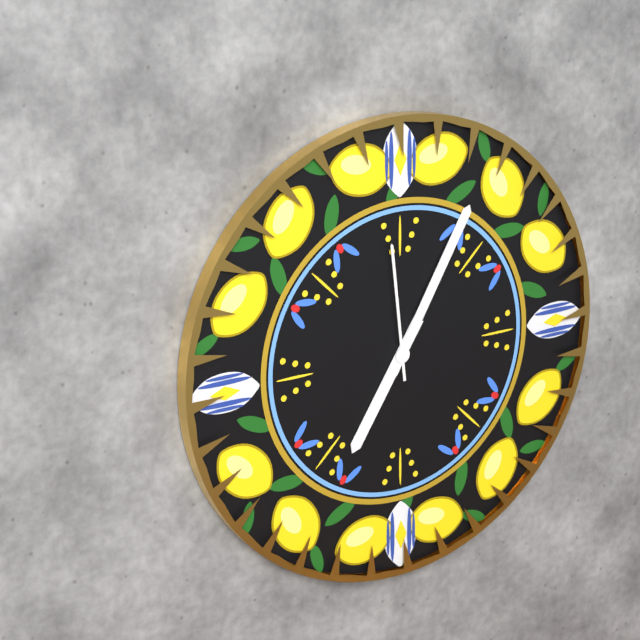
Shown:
7.05.59
